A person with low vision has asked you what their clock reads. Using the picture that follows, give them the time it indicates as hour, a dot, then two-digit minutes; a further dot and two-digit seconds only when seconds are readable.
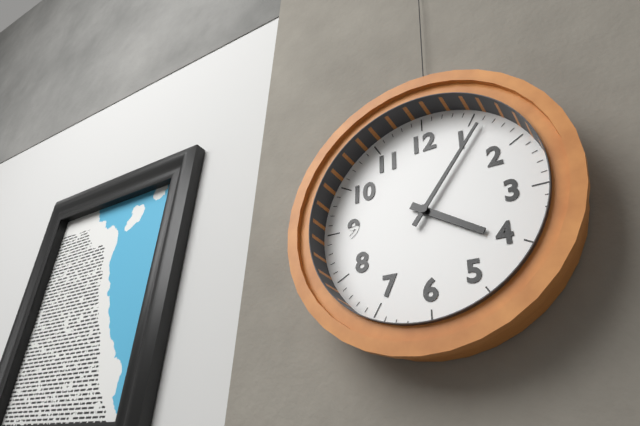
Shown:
4.06
